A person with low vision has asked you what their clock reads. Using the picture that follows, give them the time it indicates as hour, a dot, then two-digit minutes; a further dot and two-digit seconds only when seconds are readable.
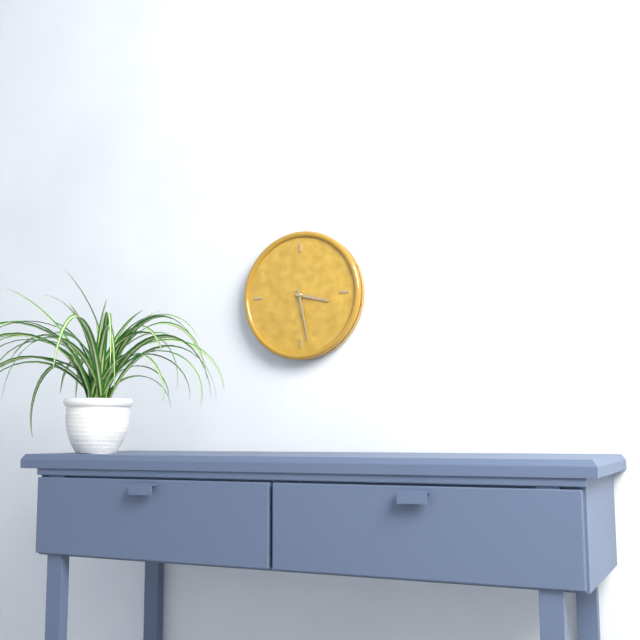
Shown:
3.28
